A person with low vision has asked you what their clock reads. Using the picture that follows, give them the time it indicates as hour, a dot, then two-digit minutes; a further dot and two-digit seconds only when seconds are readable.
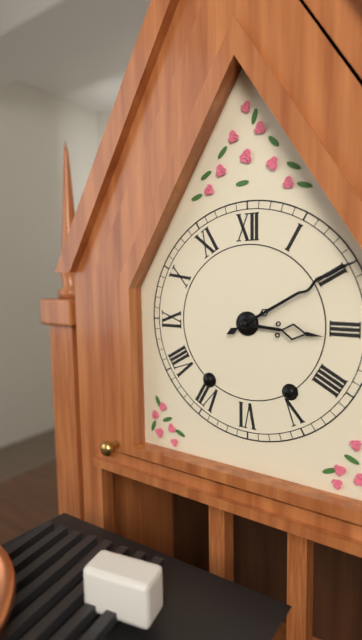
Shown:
3.10
